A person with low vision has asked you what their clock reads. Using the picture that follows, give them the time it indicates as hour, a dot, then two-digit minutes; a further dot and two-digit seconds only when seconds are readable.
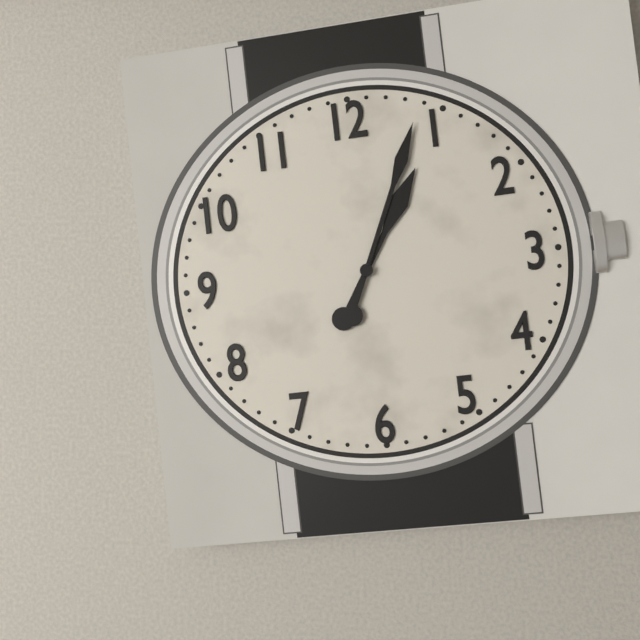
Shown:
1.04
